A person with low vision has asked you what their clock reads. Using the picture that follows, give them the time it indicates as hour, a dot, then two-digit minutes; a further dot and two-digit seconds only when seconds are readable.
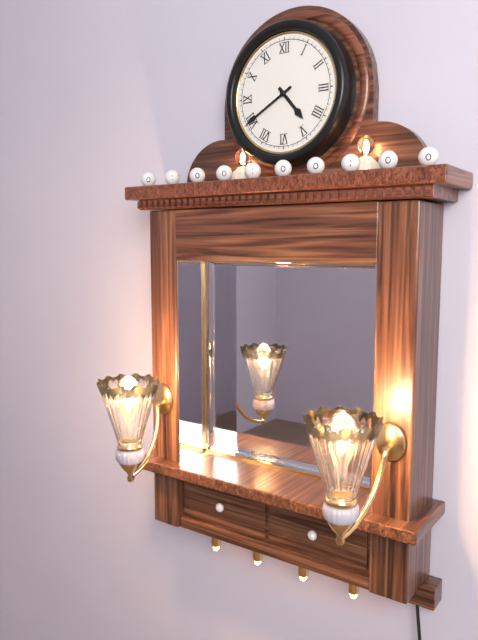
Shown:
4.40
